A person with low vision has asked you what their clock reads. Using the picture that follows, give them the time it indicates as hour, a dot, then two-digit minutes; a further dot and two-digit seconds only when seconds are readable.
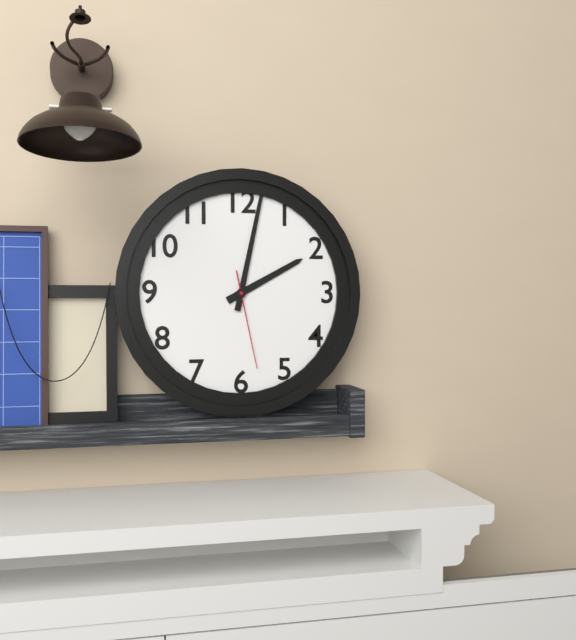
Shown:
2.02.28
